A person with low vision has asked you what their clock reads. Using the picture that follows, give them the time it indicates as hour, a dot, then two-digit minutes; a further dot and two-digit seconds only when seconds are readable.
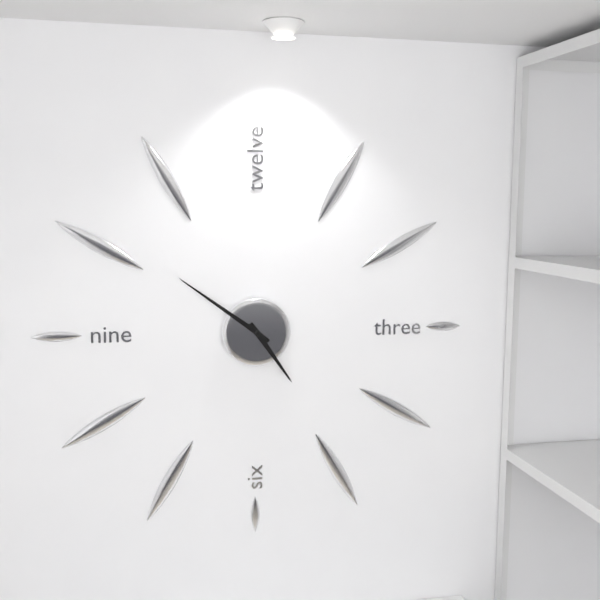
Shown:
4.51
